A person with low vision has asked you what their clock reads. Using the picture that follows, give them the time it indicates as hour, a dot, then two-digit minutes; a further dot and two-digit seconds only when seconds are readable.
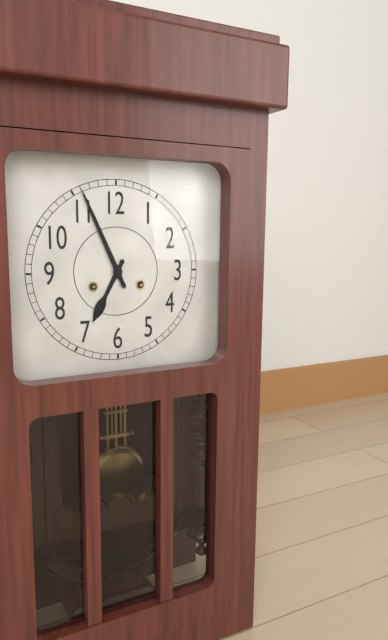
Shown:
6.56
